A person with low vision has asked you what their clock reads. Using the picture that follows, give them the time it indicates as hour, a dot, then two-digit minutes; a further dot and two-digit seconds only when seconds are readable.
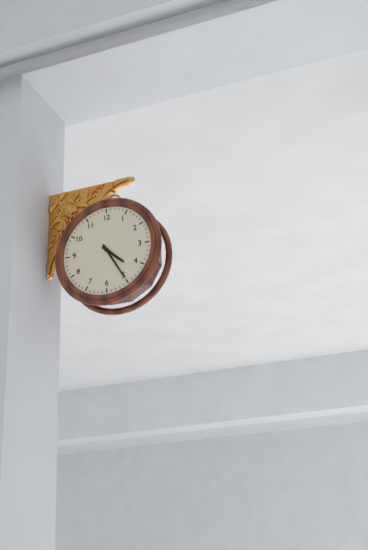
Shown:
4.25
